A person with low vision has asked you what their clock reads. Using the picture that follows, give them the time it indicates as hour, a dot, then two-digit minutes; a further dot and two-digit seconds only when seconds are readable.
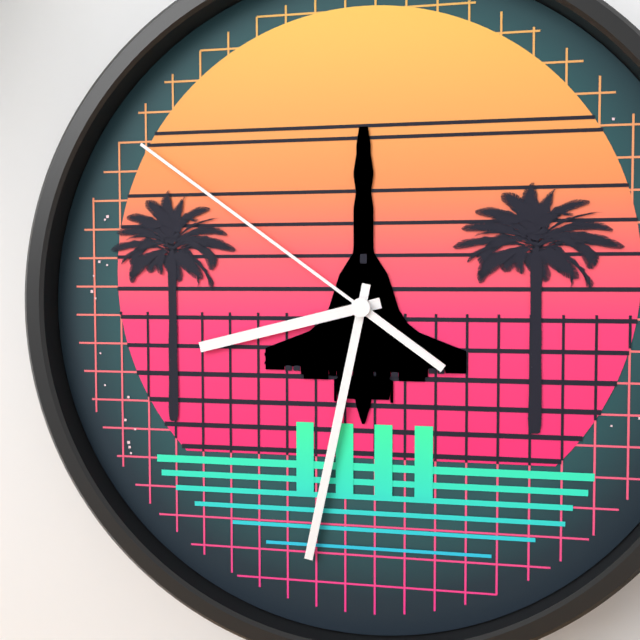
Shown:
8.32.51
